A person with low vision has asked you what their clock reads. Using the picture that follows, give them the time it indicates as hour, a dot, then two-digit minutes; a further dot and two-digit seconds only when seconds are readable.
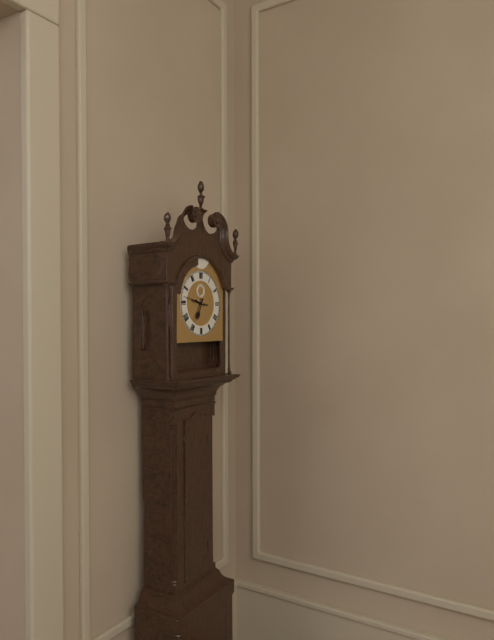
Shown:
6.47
